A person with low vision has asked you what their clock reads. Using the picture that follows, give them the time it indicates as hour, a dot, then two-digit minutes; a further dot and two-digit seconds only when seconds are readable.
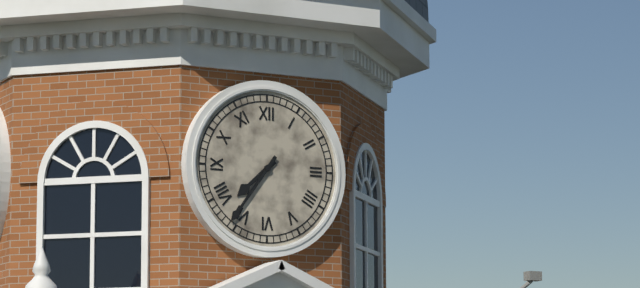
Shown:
7.36
